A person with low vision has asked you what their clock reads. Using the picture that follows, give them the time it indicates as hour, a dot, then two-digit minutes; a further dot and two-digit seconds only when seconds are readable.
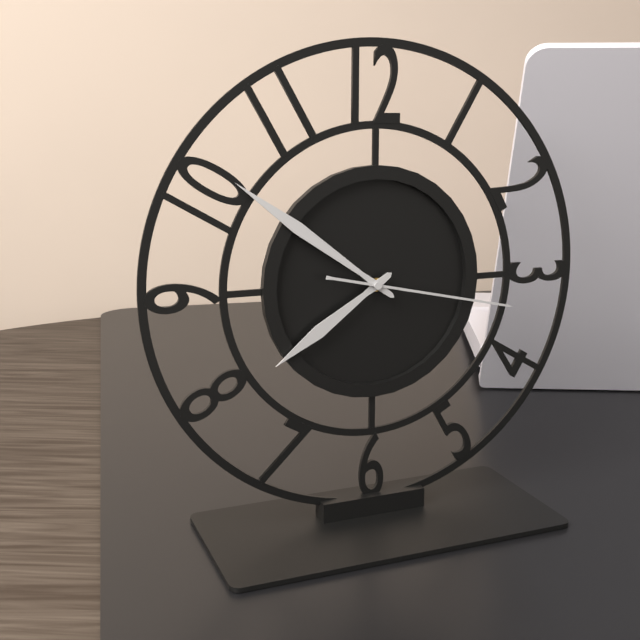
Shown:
7.51.17
